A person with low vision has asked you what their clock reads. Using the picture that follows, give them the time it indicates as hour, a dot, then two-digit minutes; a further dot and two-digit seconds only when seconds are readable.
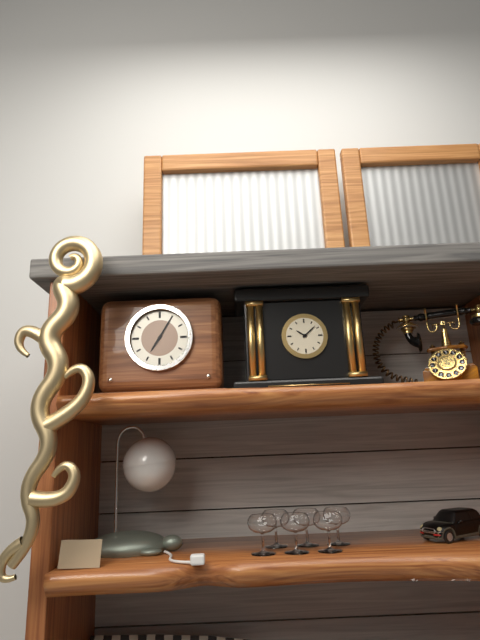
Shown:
7.05
